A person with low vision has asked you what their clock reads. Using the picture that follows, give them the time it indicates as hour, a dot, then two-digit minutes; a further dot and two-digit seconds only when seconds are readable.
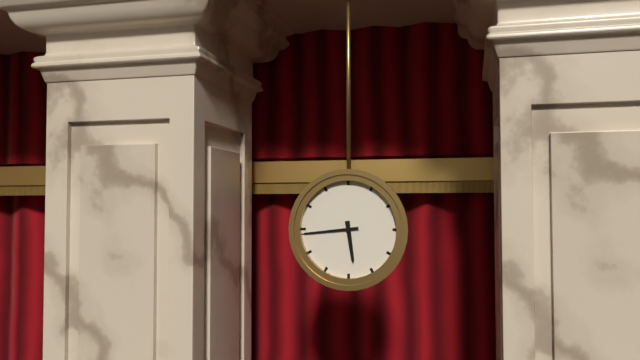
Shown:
5.44
